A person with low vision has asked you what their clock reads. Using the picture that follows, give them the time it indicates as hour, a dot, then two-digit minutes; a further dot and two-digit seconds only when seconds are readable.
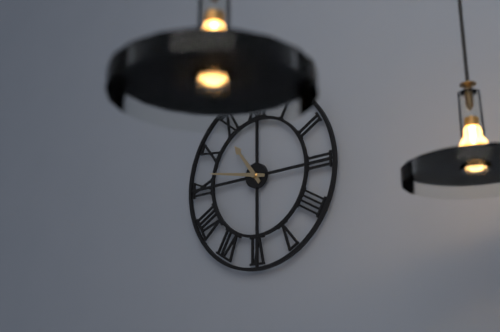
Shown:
10.47
